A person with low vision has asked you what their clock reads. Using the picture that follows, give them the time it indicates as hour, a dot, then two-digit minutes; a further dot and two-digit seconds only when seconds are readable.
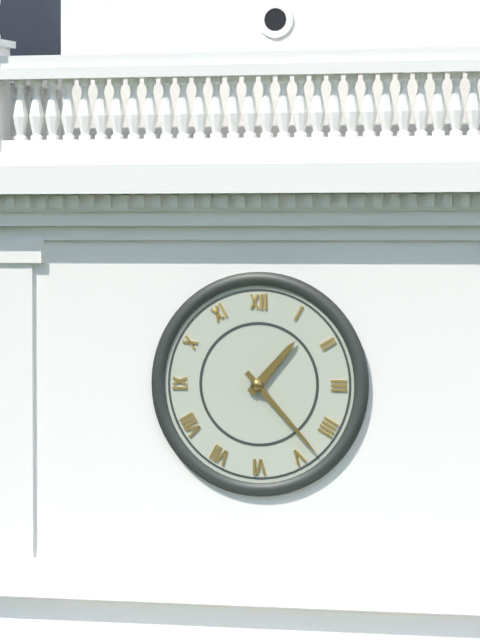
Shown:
1.23
